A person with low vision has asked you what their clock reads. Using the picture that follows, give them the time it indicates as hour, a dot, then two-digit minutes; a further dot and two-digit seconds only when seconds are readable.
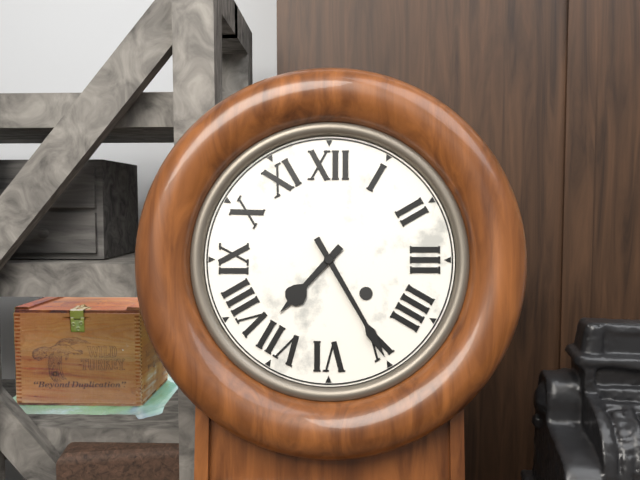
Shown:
7.25
